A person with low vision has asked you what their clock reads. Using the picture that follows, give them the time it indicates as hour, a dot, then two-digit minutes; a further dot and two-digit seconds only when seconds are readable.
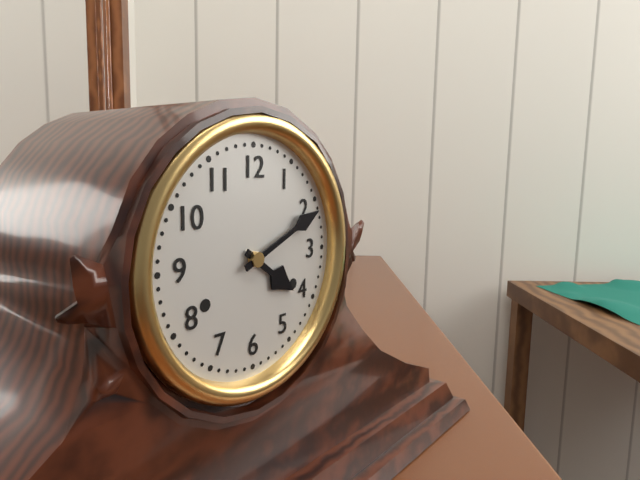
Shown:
4.11
